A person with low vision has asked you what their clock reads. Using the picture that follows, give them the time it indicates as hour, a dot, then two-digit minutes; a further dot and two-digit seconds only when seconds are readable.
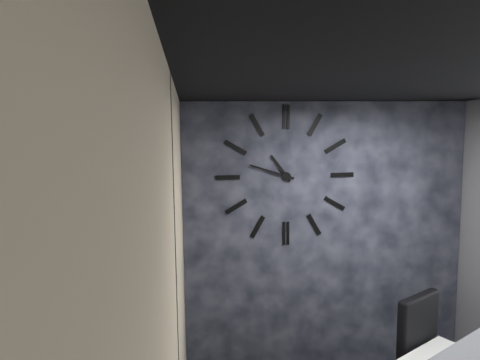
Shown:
10.48
